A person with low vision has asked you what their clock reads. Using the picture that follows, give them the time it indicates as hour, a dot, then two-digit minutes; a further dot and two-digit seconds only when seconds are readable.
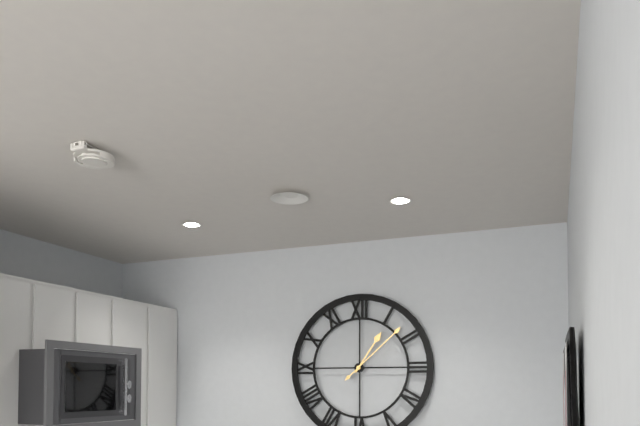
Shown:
1.08
